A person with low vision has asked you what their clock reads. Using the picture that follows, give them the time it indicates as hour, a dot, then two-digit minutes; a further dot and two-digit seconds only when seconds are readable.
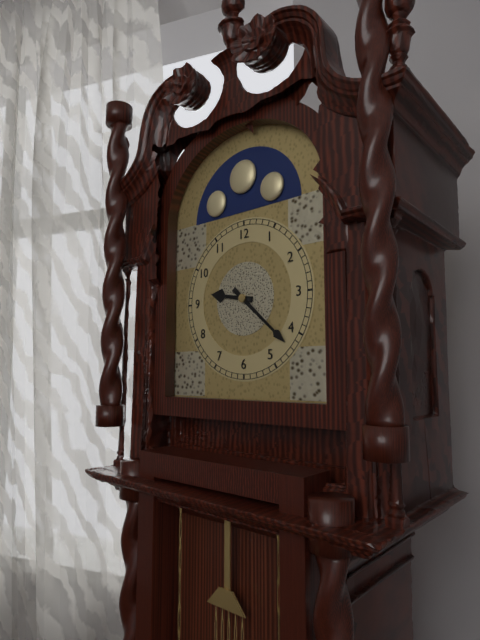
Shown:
9.22
